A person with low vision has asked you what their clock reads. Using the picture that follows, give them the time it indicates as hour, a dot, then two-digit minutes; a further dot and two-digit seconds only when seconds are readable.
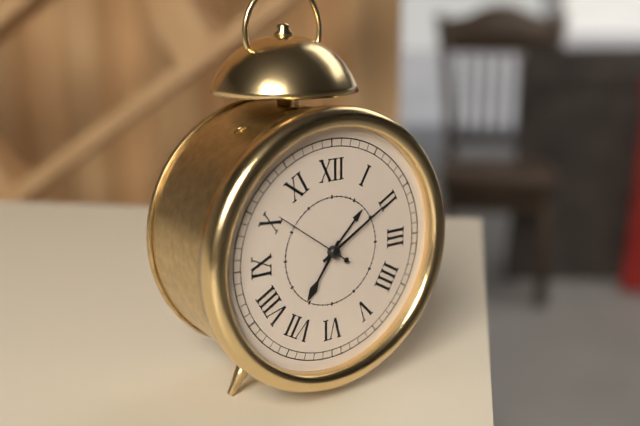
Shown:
7.10.51
